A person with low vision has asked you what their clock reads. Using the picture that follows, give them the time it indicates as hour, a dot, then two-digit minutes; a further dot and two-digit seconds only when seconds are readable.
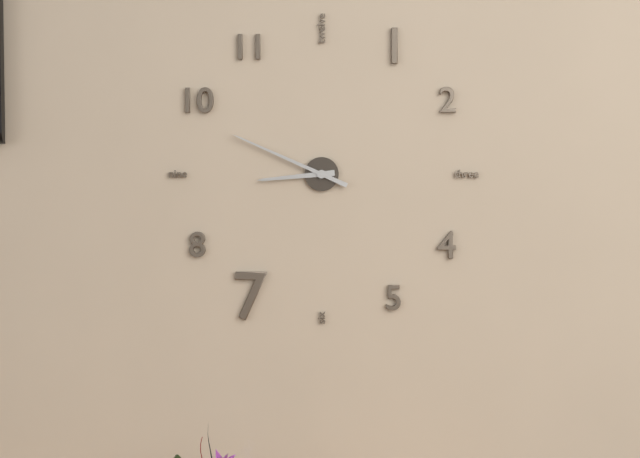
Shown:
8.49
